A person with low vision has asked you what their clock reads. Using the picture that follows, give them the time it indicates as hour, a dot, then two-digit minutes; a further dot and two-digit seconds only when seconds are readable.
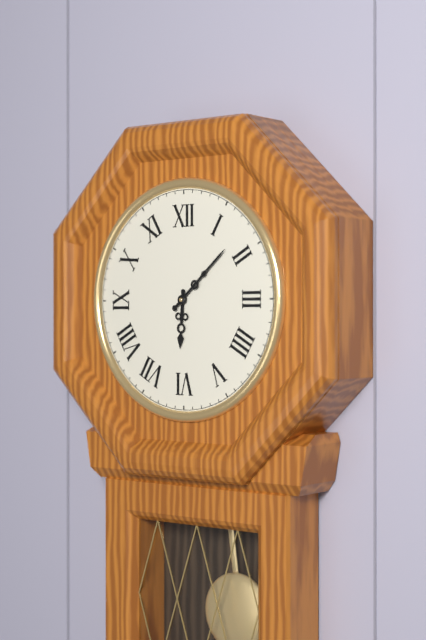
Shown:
6.08
